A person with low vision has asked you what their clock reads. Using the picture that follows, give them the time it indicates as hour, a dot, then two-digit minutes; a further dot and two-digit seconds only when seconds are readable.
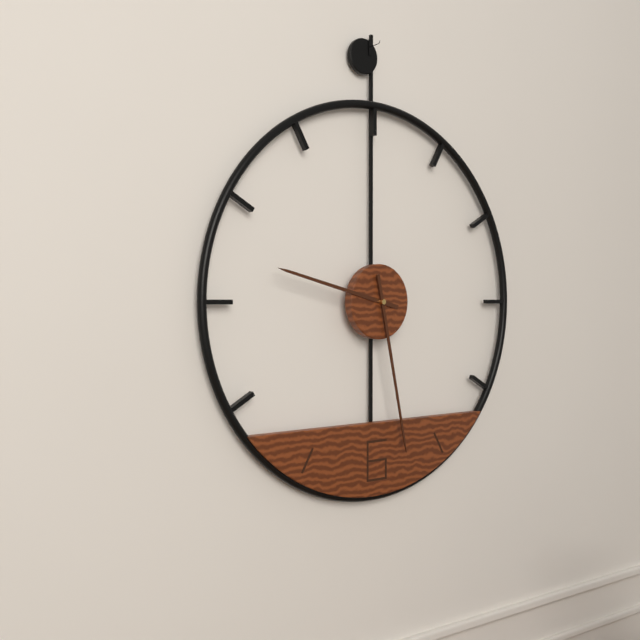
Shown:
9.28
